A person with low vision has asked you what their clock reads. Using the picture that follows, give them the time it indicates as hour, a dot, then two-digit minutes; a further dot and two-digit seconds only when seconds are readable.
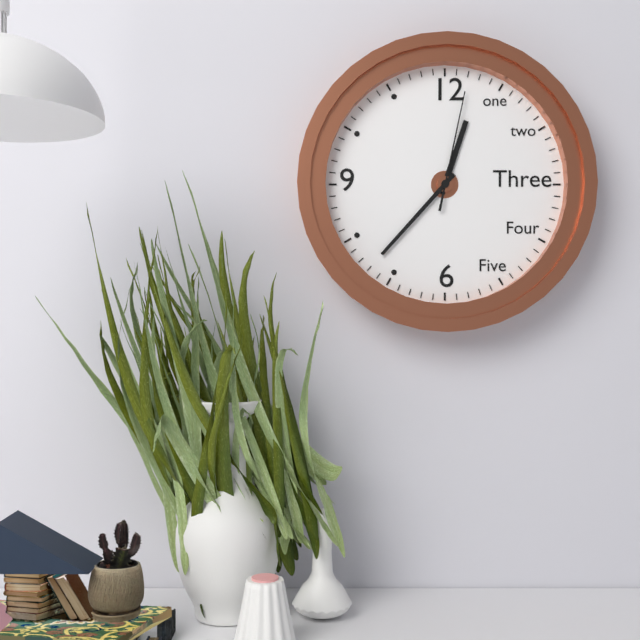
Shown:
12.37.02
